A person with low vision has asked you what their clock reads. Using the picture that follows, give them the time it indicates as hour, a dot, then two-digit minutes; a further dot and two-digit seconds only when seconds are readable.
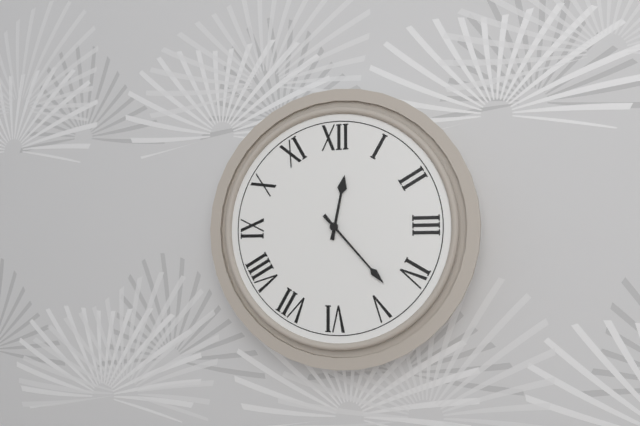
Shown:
12.23
